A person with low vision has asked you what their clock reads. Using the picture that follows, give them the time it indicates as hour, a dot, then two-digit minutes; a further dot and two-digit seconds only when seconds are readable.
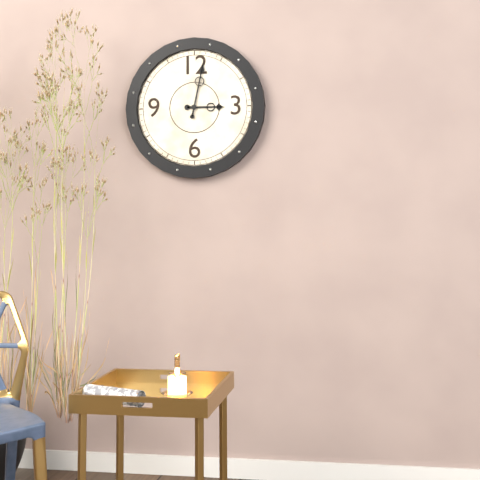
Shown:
3.02
